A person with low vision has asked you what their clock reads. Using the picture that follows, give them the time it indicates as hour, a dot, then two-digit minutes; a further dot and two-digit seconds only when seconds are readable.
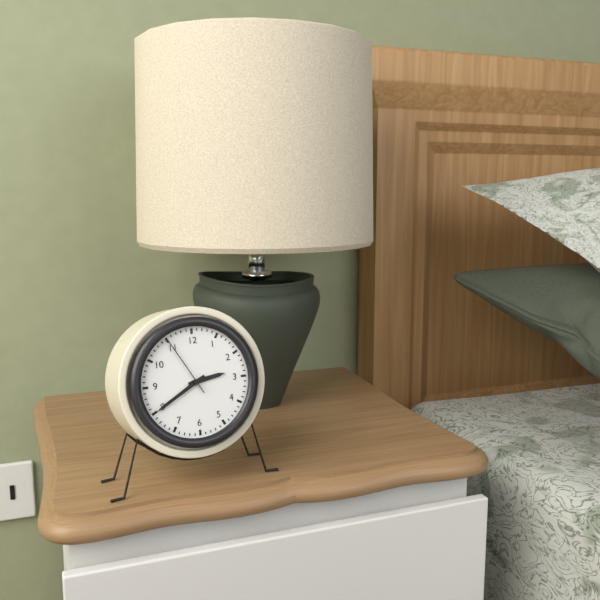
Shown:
2.40.55
